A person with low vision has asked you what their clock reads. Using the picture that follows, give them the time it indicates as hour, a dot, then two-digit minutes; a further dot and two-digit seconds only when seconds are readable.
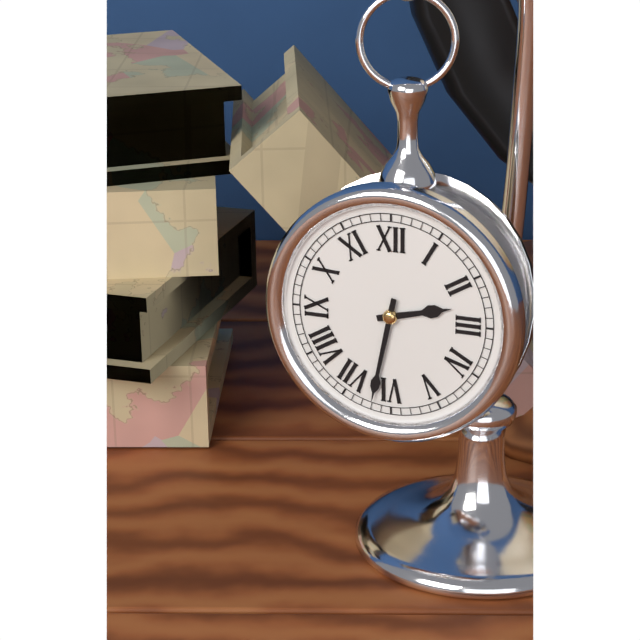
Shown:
2.32
